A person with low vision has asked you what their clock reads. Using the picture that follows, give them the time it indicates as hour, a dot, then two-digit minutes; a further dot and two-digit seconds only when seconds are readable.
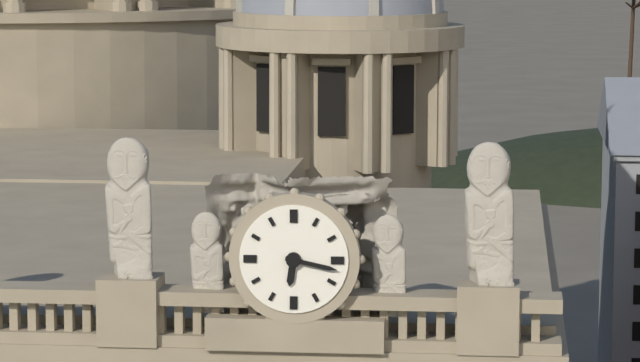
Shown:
6.17
